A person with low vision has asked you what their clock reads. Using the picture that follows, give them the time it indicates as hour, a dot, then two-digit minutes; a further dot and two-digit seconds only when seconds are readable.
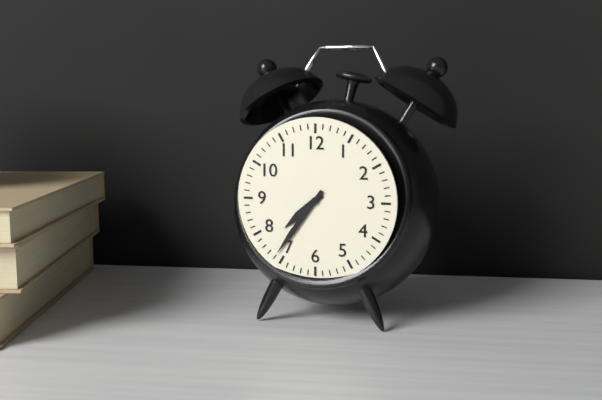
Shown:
7.36
